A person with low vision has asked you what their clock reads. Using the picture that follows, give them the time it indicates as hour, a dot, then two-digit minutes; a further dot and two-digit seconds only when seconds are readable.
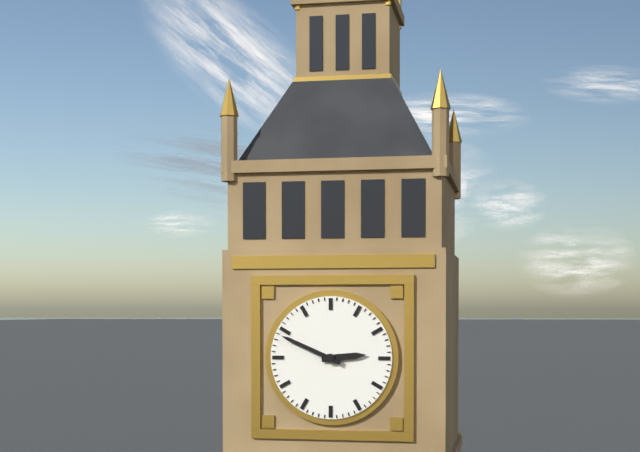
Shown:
2.49
